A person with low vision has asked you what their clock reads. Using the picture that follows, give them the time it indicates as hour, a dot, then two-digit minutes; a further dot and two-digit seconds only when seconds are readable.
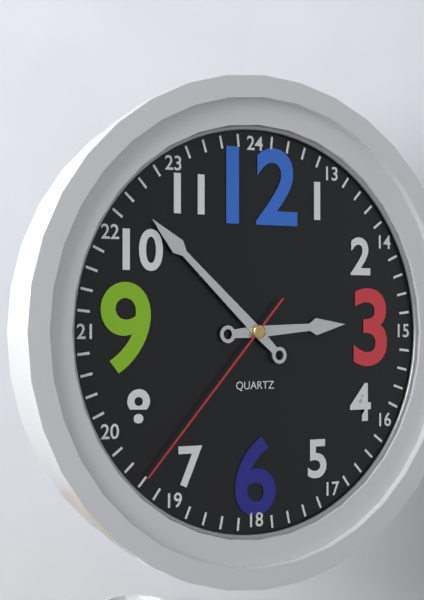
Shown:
2.52.37
